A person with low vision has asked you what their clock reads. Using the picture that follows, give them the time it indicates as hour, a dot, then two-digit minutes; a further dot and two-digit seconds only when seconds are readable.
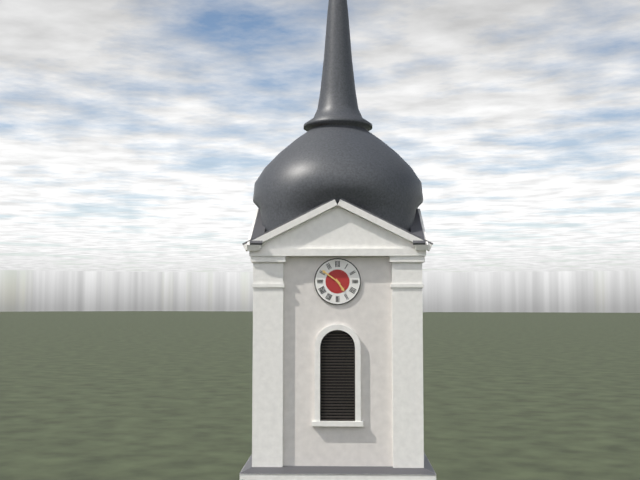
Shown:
4.51
